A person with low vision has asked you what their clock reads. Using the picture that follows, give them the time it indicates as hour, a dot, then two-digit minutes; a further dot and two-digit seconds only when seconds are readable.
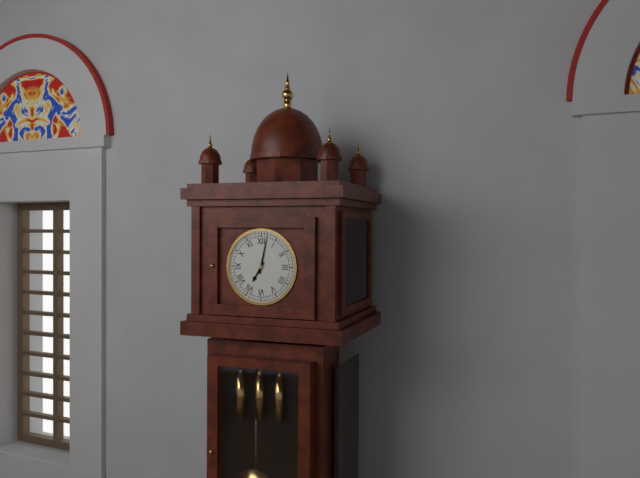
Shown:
7.02
